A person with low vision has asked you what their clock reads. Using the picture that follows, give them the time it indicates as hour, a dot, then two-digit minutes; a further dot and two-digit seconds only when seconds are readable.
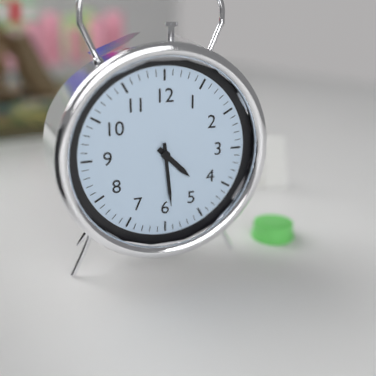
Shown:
4.29
